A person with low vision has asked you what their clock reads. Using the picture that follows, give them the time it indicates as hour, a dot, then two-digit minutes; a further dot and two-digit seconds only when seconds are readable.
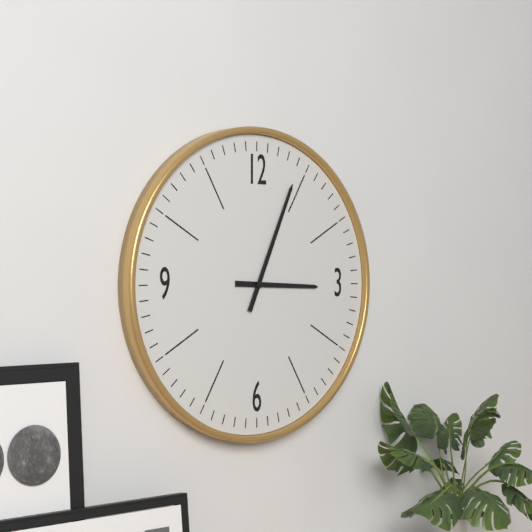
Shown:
3.04
